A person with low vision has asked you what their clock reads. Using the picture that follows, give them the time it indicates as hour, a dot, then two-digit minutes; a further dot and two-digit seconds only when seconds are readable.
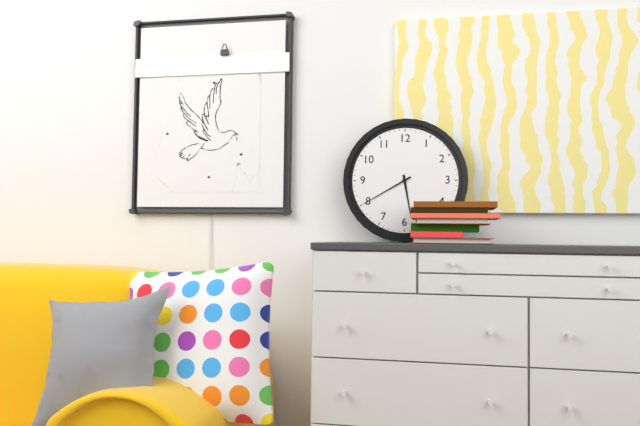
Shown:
5.40
